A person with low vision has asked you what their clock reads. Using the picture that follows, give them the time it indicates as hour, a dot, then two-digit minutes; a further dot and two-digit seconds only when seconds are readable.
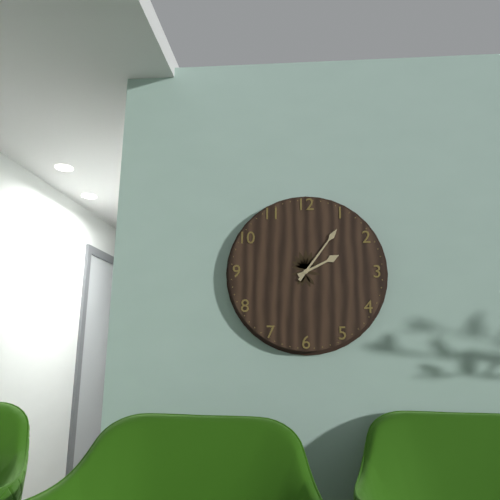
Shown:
2.06
